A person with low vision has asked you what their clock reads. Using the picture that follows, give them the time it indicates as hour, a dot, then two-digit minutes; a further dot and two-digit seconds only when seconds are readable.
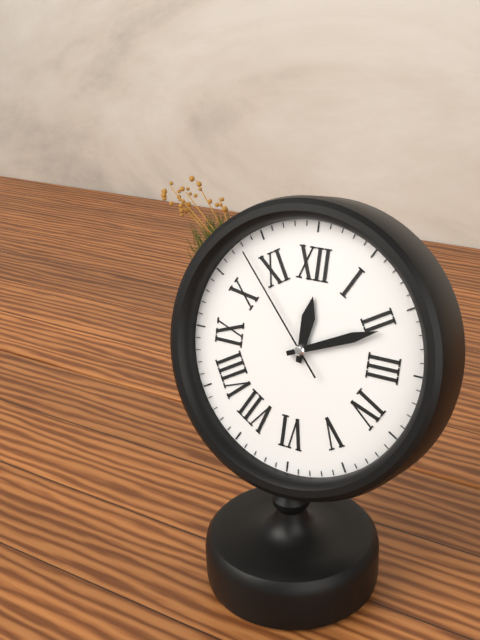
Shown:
12.11.53
